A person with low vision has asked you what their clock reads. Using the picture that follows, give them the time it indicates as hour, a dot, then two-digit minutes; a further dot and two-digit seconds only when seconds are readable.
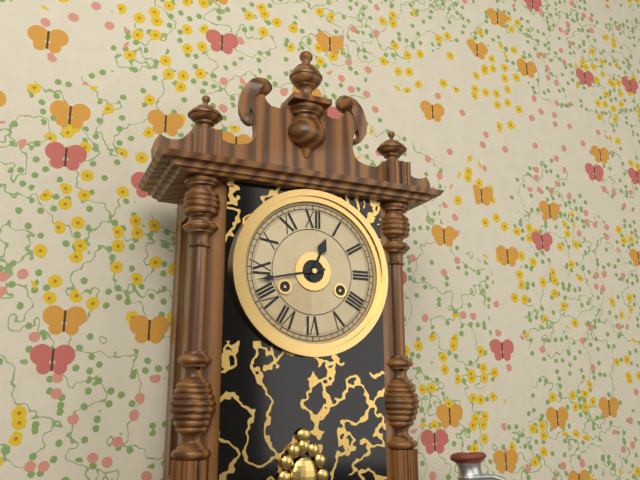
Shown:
12.43
